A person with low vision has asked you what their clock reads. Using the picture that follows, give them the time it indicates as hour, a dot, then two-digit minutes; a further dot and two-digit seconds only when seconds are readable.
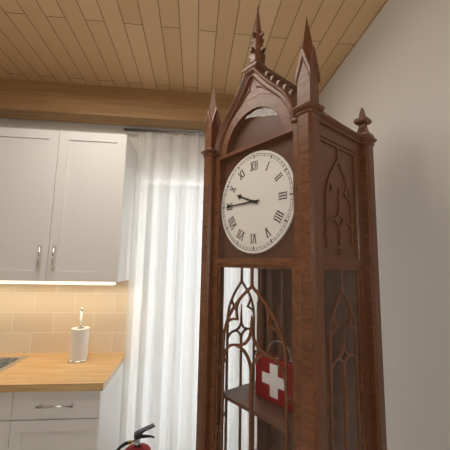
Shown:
9.45
